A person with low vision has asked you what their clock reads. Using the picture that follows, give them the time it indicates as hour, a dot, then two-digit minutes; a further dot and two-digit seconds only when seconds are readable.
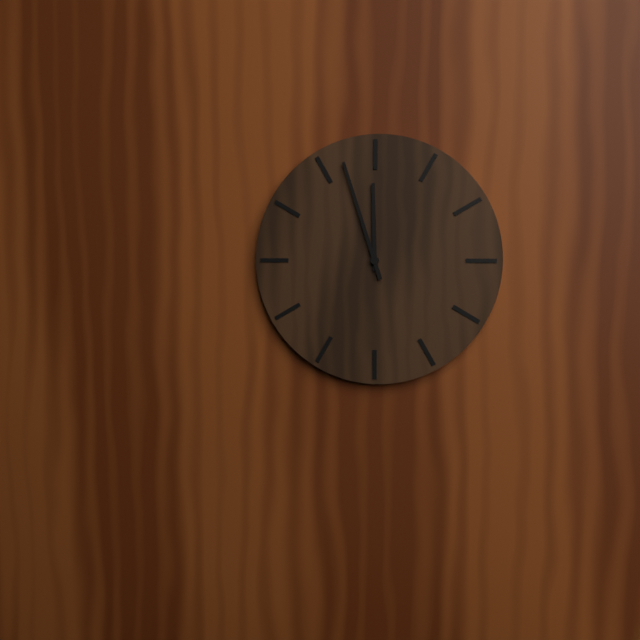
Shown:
11.57
